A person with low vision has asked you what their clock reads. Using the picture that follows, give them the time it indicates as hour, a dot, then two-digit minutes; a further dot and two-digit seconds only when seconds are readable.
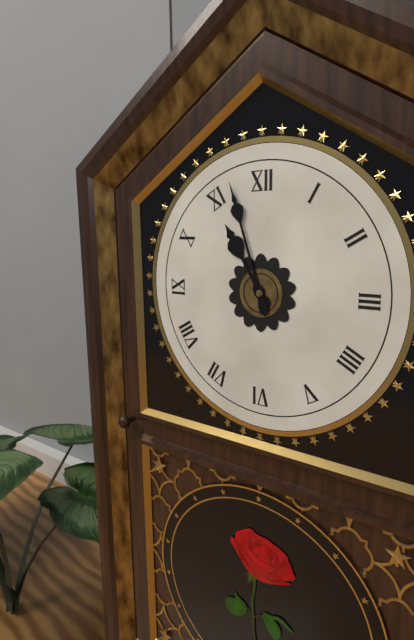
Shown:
10.57
